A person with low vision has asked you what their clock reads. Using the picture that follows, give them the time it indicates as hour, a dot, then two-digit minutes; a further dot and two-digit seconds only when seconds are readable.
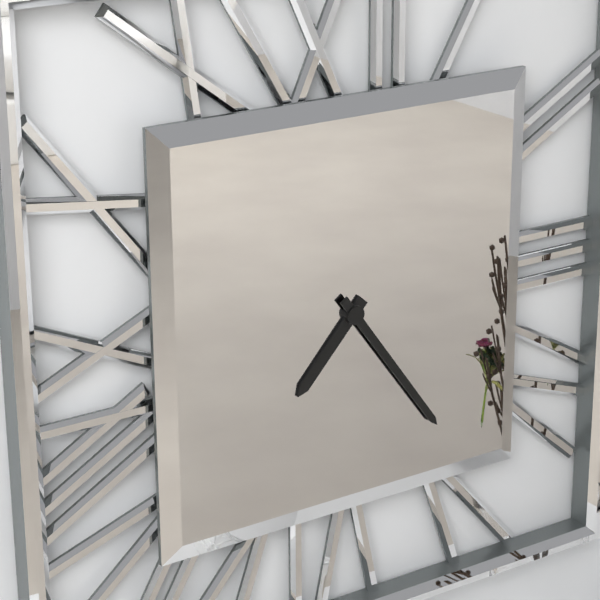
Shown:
7.24
